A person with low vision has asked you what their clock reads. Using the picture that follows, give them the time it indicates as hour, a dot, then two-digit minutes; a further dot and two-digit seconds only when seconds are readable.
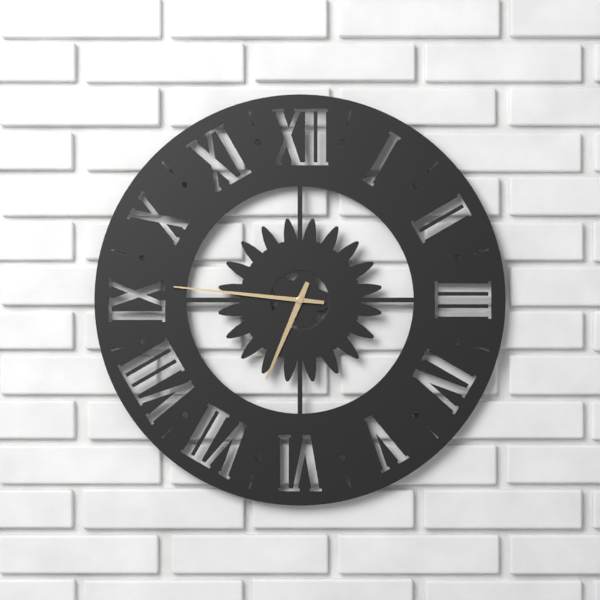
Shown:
6.46
